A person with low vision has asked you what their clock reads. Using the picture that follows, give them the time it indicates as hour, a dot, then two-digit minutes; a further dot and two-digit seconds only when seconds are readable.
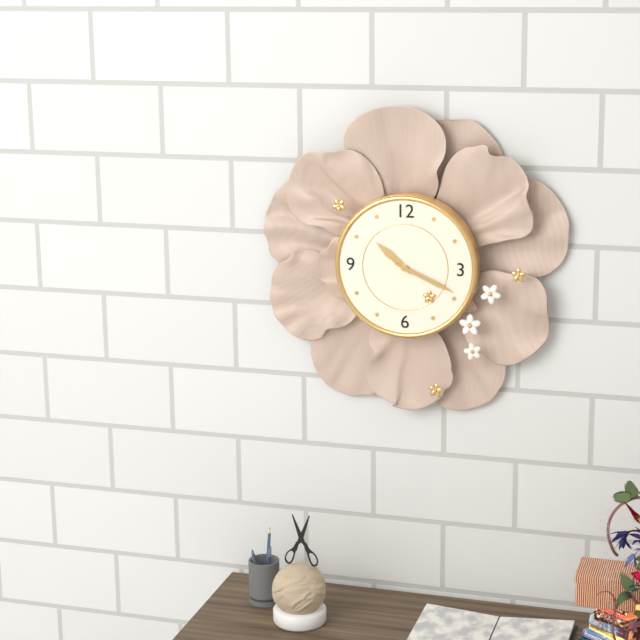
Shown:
10.19
